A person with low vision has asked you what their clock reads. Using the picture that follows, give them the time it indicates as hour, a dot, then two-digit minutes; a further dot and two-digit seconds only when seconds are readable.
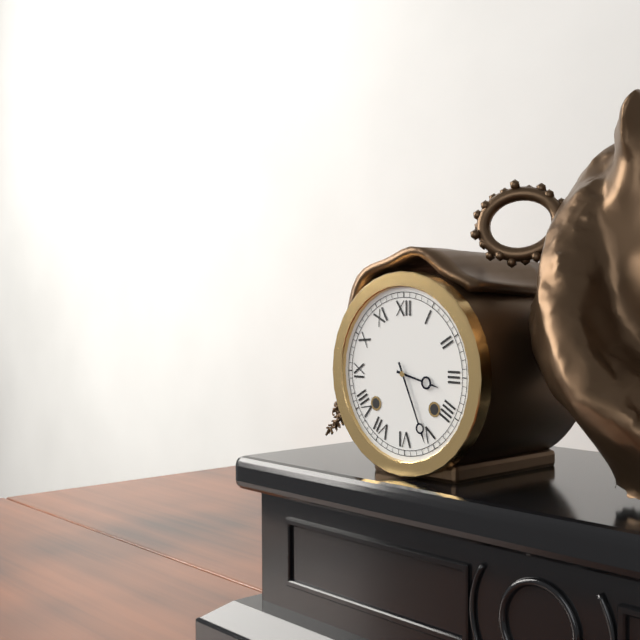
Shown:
3.26
